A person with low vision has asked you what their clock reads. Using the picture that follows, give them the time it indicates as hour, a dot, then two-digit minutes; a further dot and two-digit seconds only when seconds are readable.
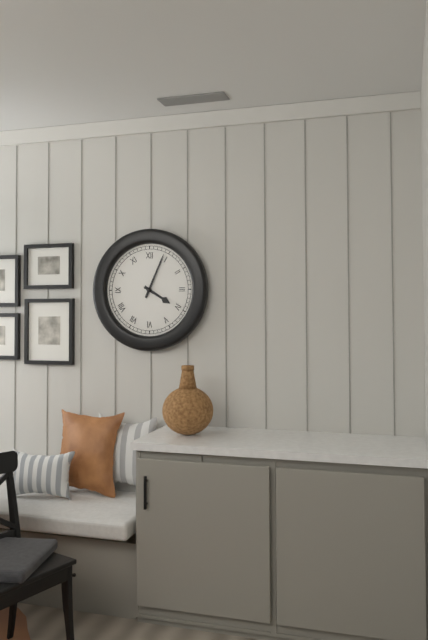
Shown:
4.04
